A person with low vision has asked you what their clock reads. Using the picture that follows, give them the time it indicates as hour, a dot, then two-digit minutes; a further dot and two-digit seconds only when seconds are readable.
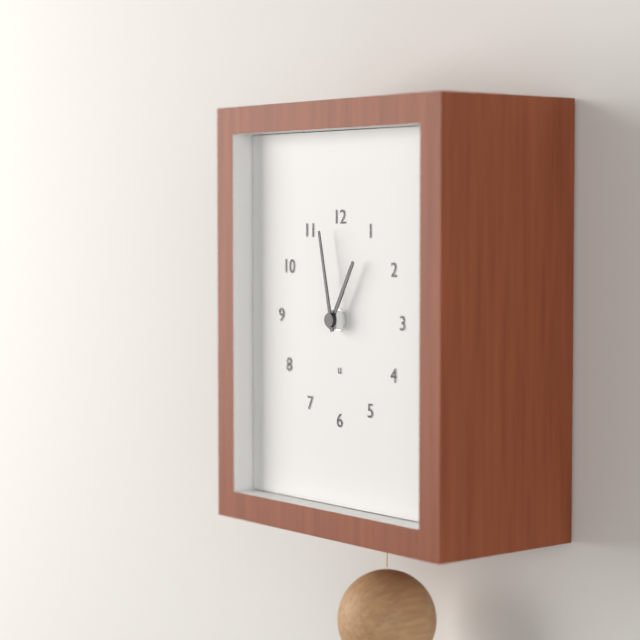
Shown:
12.58
